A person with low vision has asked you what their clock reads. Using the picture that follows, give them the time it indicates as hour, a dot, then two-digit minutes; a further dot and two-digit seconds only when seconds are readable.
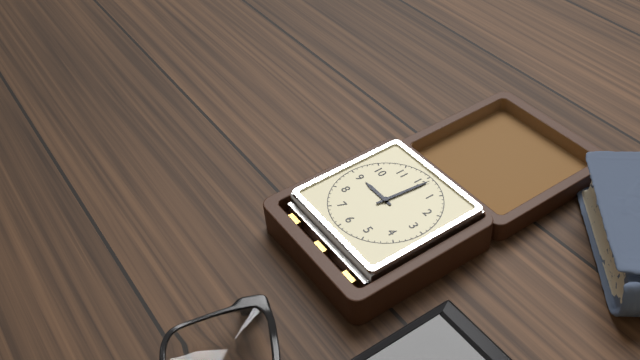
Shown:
9.01
